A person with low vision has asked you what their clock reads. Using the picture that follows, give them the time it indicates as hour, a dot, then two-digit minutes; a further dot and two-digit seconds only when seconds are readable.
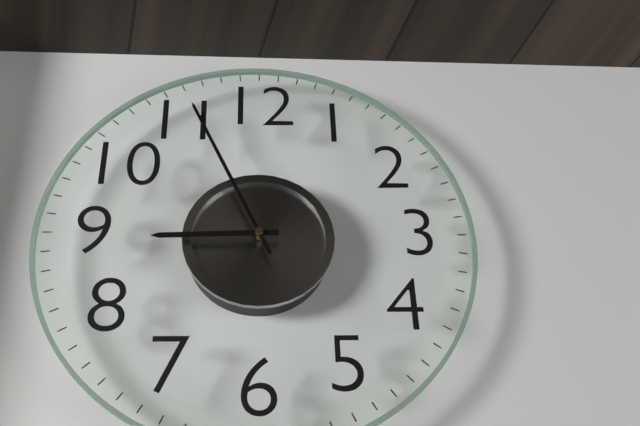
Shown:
8.56
